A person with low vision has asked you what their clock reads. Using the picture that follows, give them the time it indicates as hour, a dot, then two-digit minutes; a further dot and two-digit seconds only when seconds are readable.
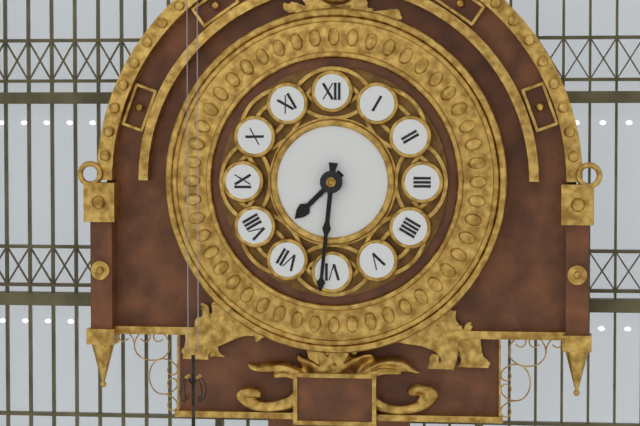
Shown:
7.31
